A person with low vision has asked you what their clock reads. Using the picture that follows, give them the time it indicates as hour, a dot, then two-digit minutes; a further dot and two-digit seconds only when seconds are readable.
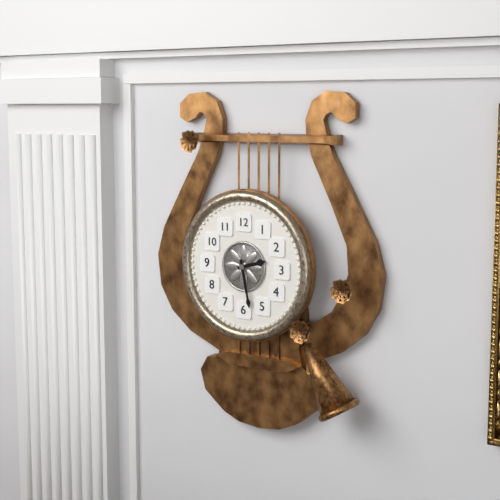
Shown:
2.28
